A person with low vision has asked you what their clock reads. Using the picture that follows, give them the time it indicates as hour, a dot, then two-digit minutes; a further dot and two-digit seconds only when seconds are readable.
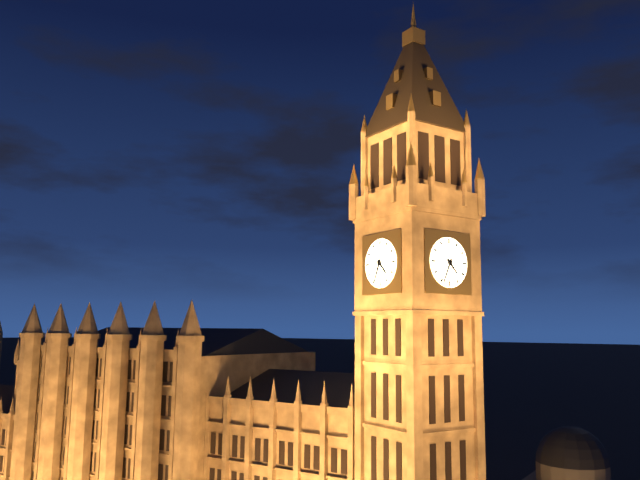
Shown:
4.34
